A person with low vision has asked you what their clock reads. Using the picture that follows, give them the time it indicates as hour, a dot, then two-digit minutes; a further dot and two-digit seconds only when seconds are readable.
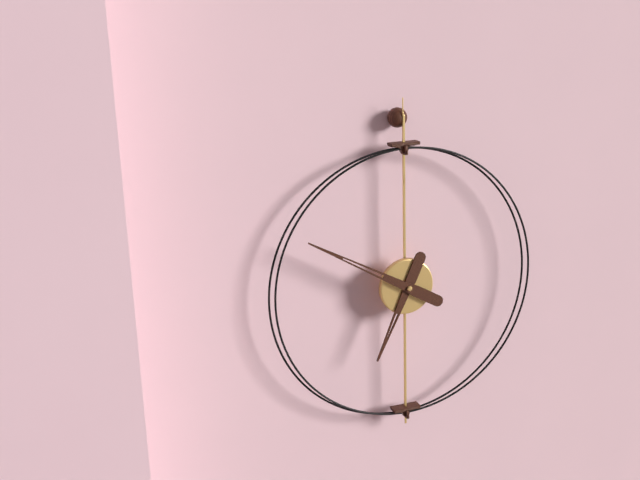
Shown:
6.50
